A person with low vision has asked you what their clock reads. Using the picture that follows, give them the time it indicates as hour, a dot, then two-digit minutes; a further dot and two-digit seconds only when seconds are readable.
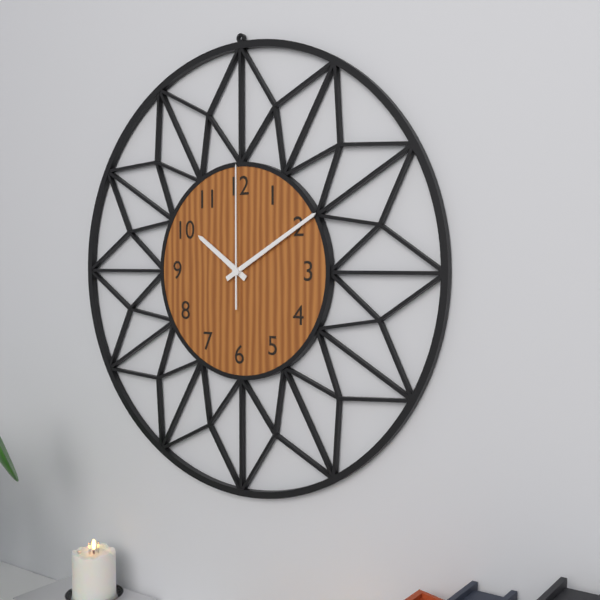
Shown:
10.10.00
